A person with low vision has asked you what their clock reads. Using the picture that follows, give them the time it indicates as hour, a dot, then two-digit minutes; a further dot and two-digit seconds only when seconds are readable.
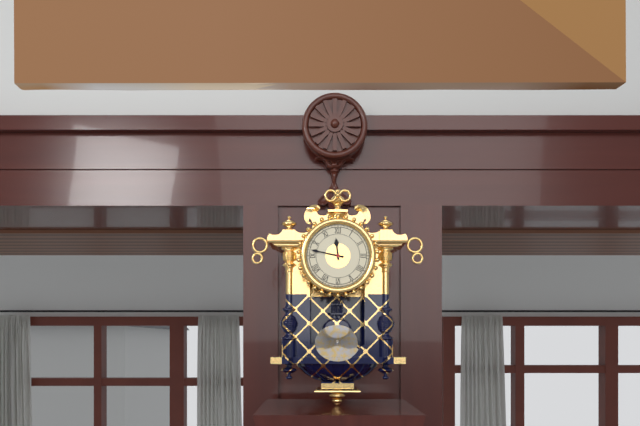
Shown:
11.47
